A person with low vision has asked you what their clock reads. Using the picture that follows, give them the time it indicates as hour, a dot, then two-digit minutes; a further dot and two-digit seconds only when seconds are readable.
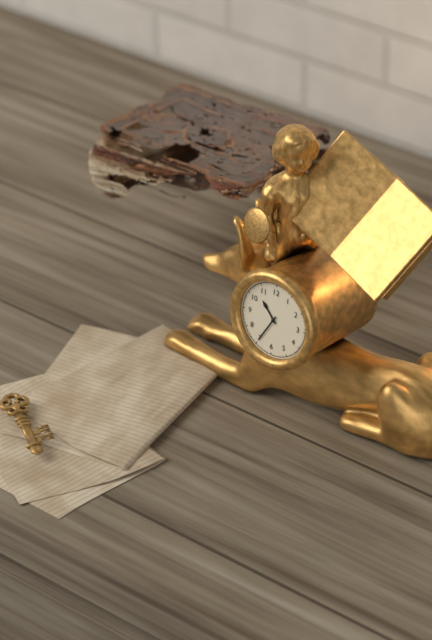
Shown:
10.35
